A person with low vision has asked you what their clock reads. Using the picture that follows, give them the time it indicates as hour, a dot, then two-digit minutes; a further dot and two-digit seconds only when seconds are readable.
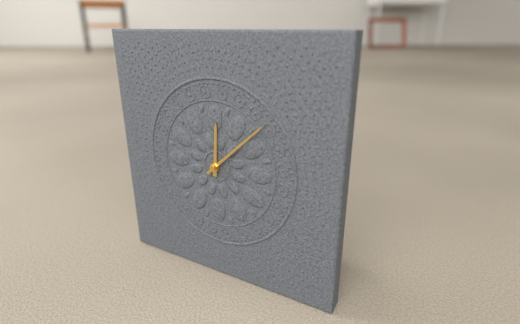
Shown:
12.08
